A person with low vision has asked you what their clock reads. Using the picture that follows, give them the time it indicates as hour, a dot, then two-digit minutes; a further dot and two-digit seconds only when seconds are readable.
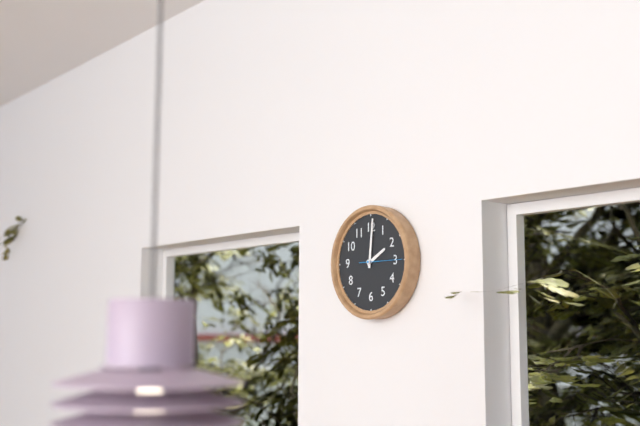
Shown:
2.01
